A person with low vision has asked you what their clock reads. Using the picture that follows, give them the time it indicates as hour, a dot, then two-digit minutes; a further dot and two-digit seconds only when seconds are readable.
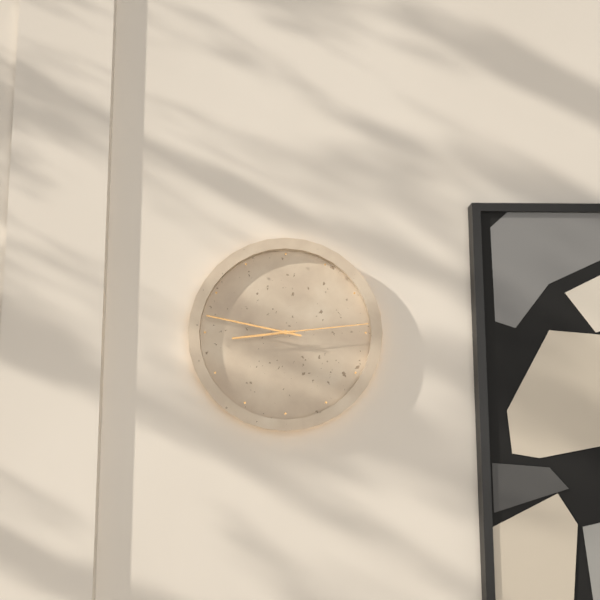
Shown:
8.47.14
